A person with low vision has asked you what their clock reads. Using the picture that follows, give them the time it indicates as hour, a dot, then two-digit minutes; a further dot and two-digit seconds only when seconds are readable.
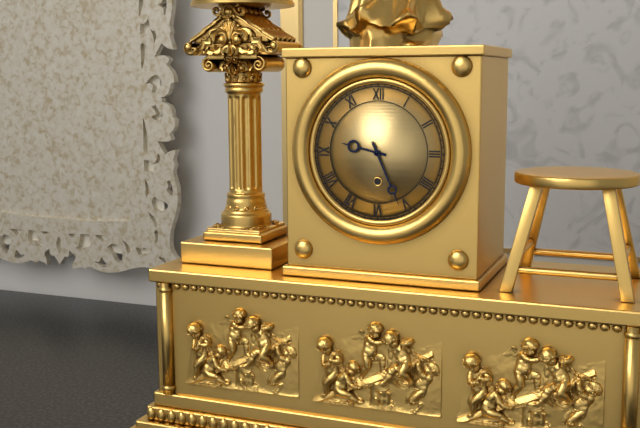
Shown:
9.26
